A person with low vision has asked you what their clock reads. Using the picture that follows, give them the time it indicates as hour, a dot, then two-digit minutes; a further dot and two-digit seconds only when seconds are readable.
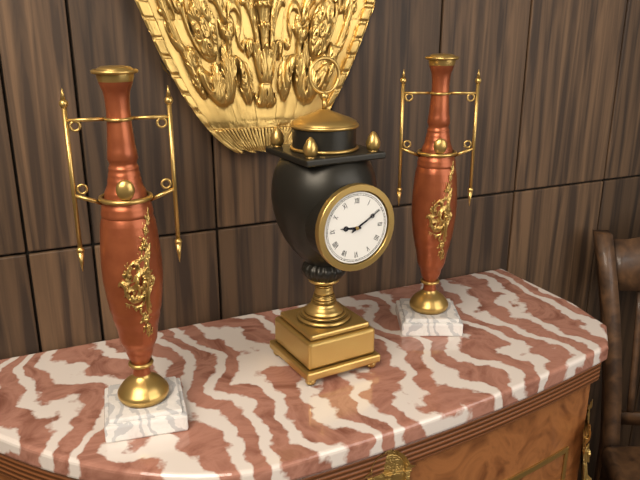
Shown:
9.10
